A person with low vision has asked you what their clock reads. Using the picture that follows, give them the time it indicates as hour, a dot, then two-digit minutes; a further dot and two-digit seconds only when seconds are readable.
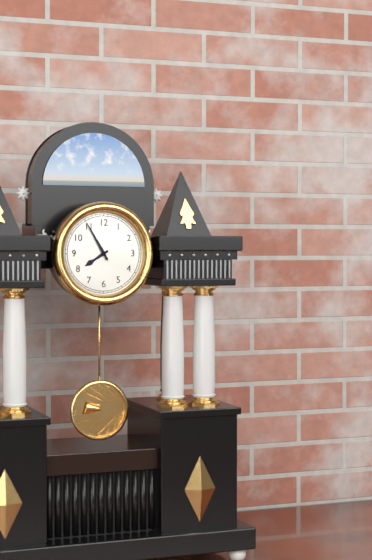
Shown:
7.55
